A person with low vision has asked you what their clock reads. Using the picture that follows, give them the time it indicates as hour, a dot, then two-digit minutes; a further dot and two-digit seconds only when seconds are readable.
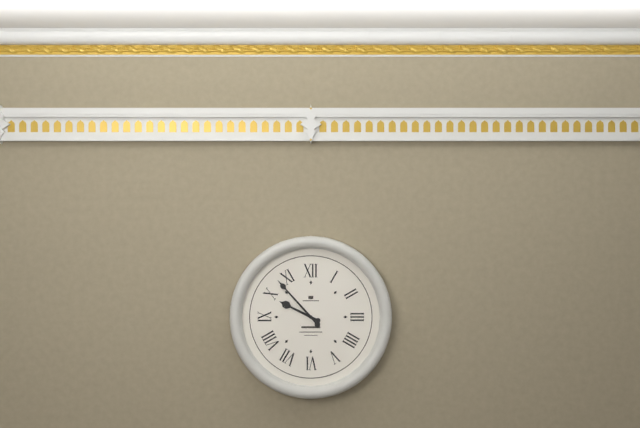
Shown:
9.53
